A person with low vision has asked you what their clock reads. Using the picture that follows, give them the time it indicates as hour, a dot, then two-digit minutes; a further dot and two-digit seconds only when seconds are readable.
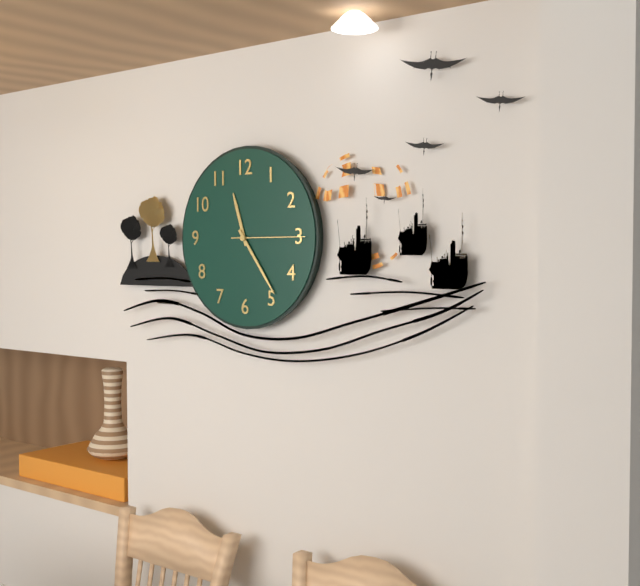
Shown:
11.24.15
